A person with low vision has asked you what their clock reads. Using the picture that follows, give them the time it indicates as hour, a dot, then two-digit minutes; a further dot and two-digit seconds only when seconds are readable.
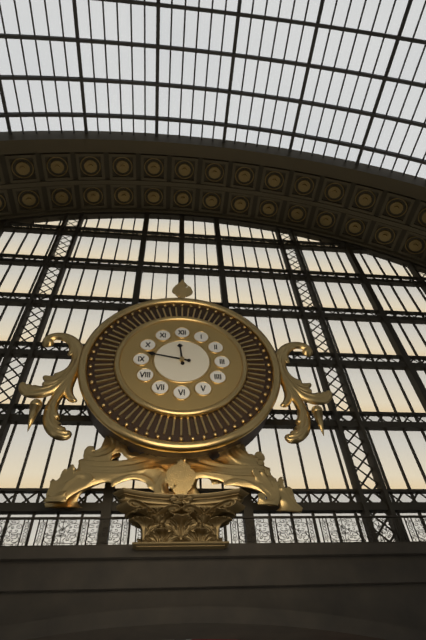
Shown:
11.47
